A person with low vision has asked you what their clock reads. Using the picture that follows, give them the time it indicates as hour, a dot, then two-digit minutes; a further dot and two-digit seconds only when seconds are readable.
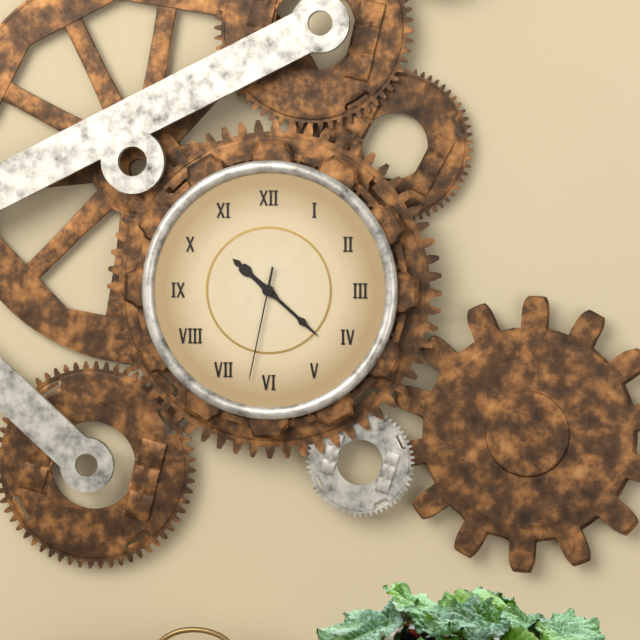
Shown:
10.22.32
